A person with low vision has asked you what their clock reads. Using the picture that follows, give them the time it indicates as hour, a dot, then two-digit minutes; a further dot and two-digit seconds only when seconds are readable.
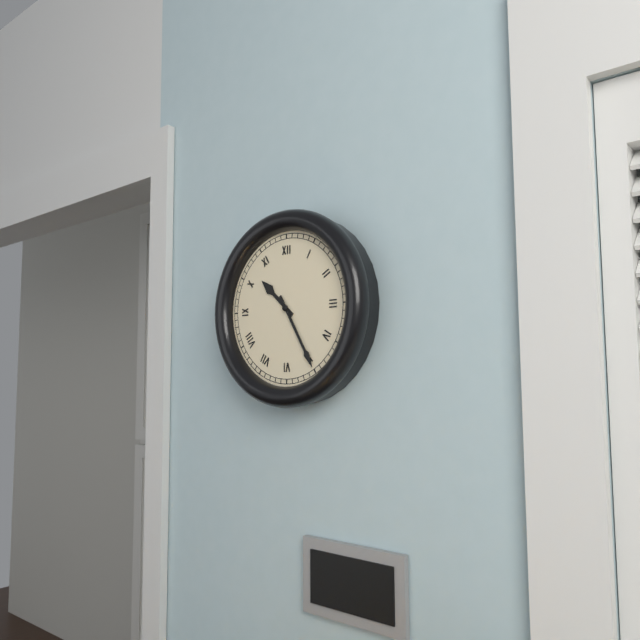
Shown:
10.25
